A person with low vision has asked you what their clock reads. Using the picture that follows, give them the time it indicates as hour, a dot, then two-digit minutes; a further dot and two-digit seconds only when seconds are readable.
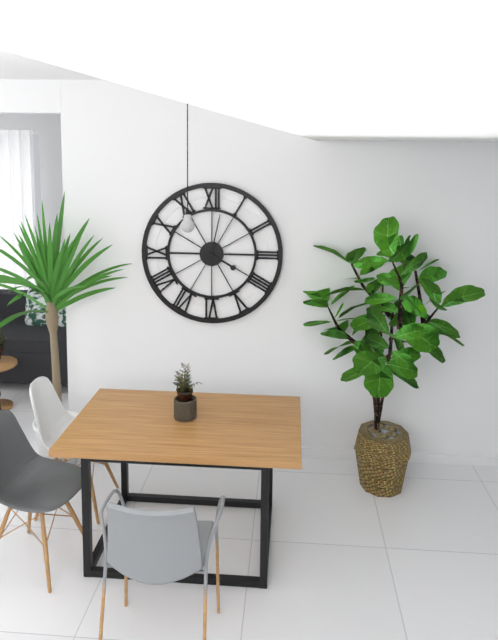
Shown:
4.02
